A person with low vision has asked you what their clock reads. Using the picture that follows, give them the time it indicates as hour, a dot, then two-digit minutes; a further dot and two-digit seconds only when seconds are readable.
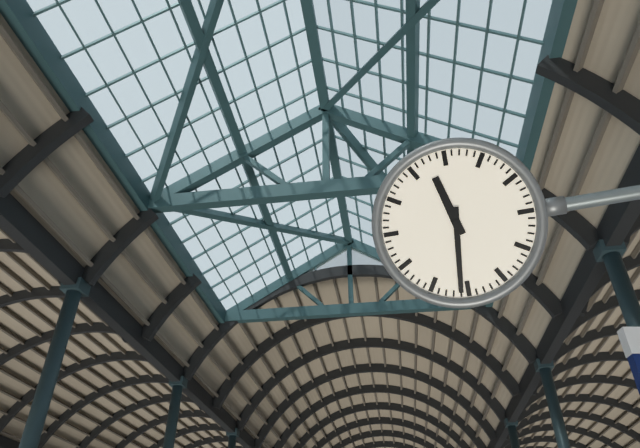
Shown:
11.31
